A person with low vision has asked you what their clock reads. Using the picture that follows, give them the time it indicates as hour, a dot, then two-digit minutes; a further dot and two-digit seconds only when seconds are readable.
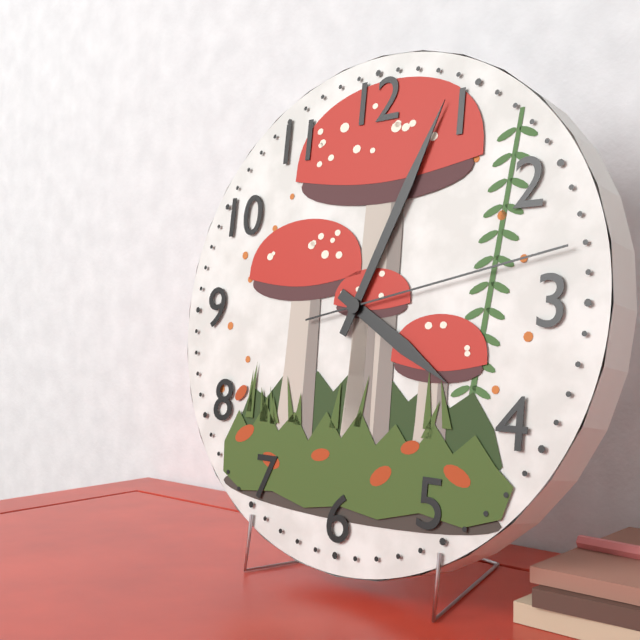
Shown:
4.04.13
